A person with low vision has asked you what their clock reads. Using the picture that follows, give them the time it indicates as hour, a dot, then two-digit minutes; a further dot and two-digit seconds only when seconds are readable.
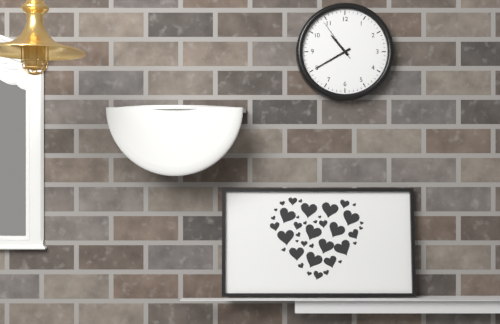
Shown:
10.40
